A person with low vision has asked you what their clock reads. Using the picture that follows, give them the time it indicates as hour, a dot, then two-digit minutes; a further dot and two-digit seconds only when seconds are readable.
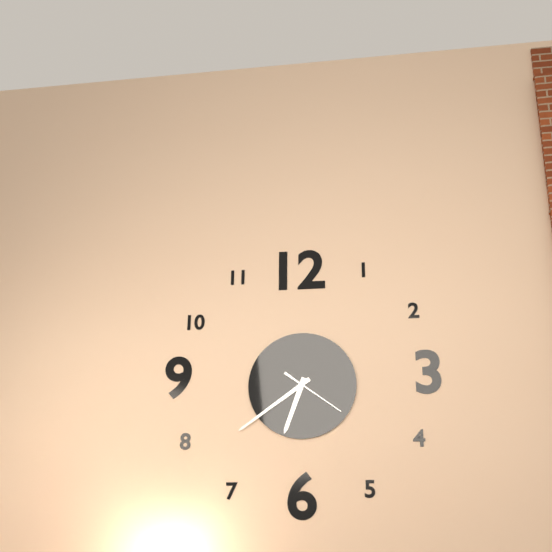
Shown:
6.39.21
